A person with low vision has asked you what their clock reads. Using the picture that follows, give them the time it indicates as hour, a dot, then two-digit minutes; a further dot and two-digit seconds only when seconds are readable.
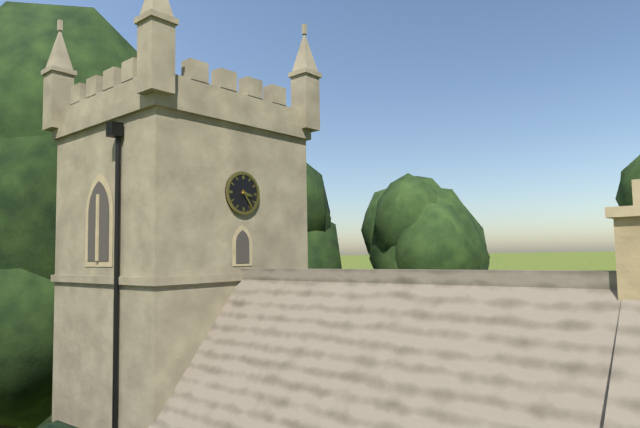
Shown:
3.24
